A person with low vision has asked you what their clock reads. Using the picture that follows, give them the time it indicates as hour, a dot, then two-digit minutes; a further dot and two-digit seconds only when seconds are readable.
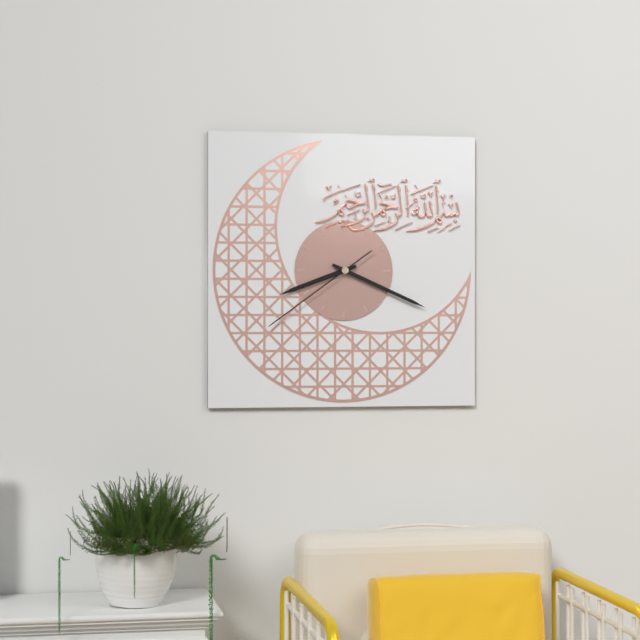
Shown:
8.19.39
